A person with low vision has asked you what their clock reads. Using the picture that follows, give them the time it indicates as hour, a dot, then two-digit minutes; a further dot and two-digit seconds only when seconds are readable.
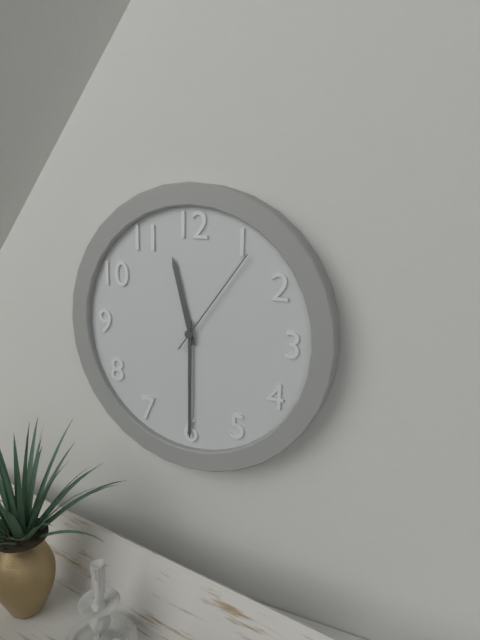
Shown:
11.30.06
